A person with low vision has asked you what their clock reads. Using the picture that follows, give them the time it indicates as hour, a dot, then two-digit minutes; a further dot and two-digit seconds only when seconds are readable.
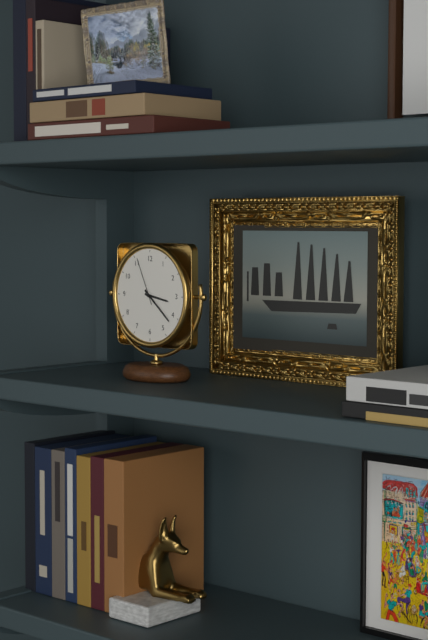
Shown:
3.22
